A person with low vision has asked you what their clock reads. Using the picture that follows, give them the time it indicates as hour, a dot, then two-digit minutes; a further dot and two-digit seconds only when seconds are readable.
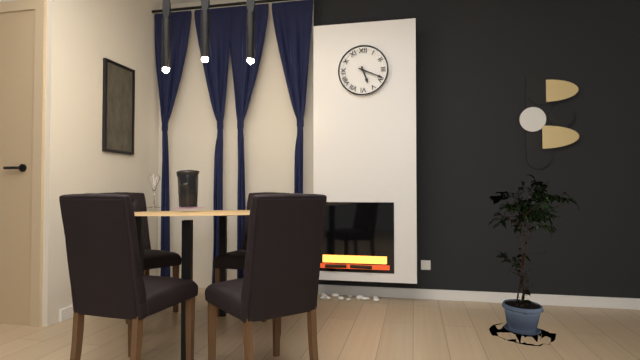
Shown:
5.19
